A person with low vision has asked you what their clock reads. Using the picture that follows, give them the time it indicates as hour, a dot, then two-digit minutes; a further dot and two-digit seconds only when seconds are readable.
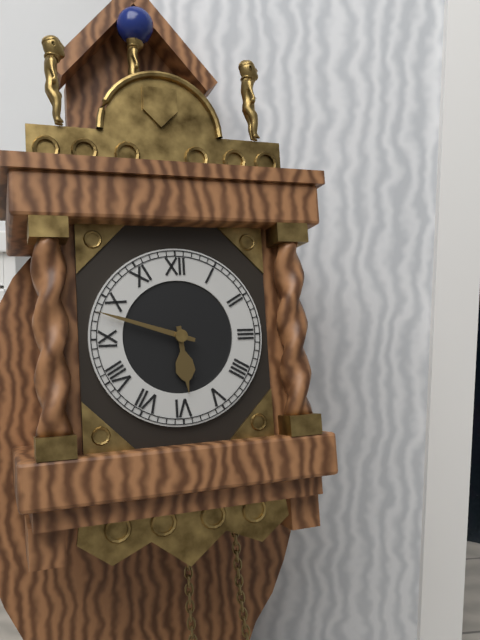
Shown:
5.48
